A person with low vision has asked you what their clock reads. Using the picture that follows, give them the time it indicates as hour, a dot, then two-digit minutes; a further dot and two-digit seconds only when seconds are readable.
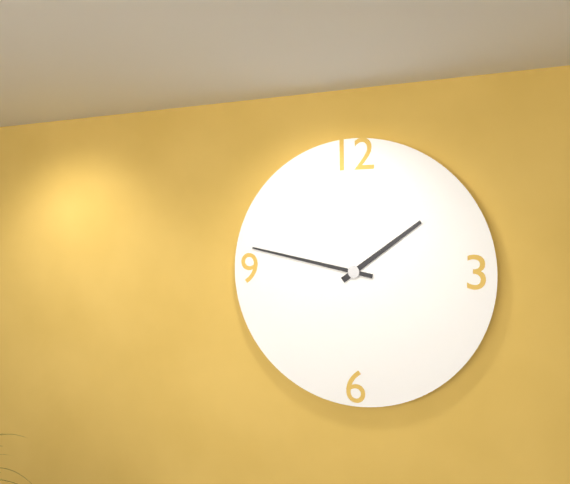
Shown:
1.47
